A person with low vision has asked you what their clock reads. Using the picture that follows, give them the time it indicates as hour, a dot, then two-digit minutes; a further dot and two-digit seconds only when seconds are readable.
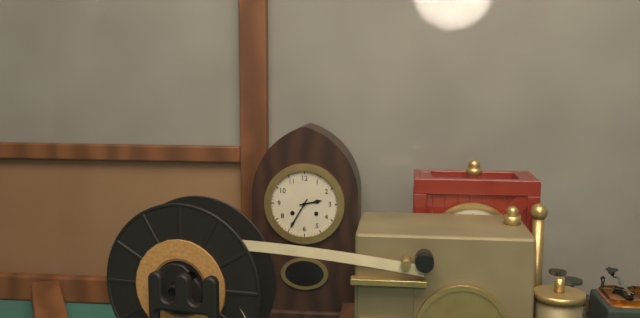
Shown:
2.35
